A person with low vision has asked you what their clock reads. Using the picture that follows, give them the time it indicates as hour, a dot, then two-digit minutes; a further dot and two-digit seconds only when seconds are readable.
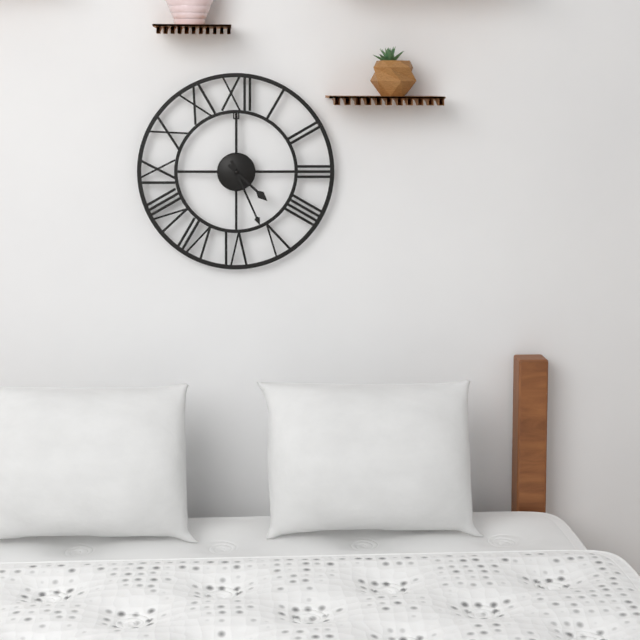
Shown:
4.26
